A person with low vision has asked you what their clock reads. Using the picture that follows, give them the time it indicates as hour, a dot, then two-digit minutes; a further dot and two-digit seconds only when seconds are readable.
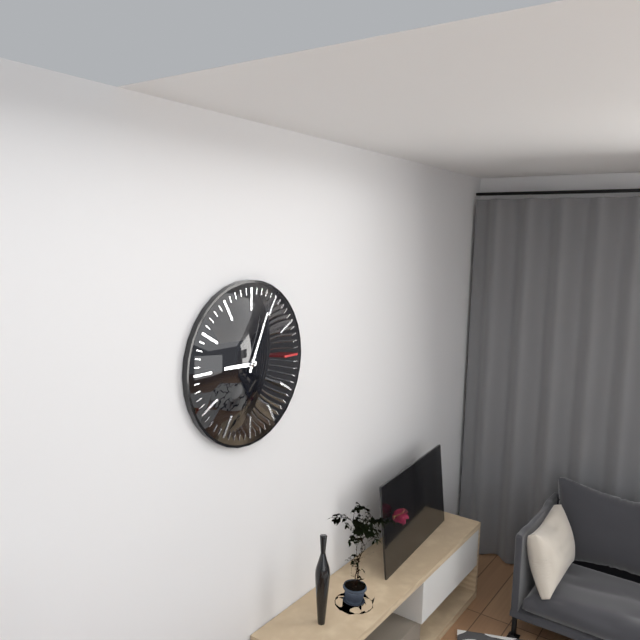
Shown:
9.04
